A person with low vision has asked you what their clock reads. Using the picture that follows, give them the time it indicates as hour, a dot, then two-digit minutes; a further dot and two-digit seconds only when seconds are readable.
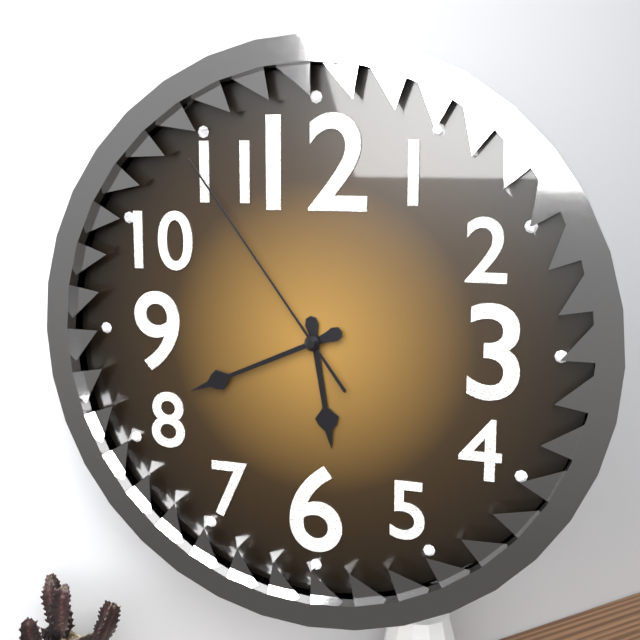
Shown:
5.41.54
